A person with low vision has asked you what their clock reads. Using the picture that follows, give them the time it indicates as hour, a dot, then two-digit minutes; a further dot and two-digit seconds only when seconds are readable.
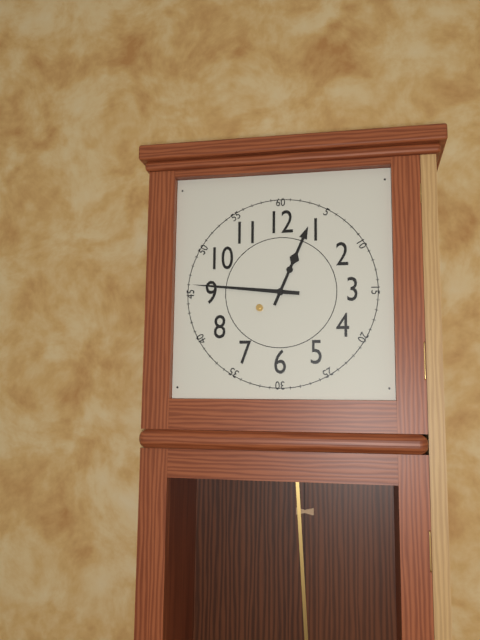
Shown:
12.46
